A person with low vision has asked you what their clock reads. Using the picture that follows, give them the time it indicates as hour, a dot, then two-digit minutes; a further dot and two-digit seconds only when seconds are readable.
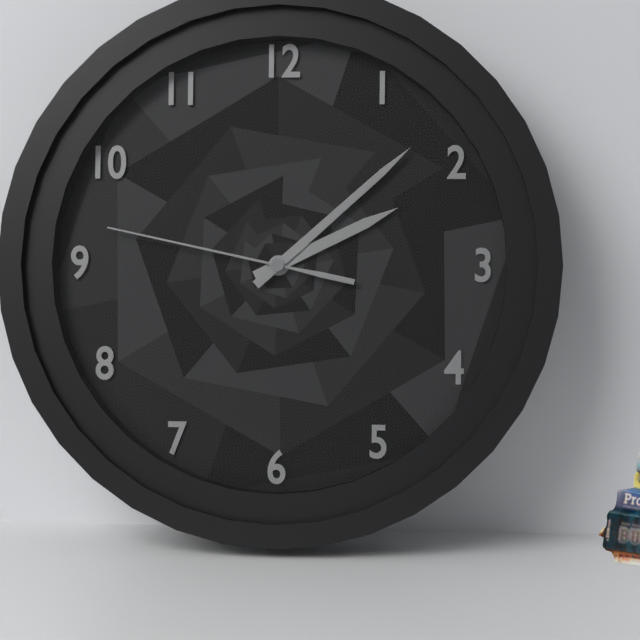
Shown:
2.08.47
